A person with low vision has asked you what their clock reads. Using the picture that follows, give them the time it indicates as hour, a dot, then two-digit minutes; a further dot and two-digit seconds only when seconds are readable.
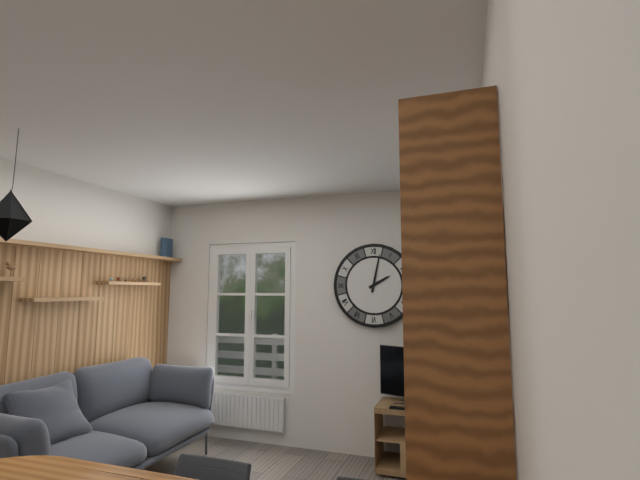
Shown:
2.02
